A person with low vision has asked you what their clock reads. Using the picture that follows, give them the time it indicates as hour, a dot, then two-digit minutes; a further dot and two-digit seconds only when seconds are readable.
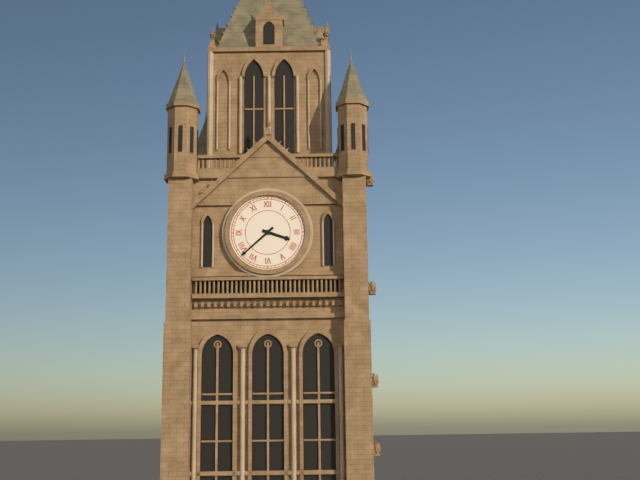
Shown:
3.38
